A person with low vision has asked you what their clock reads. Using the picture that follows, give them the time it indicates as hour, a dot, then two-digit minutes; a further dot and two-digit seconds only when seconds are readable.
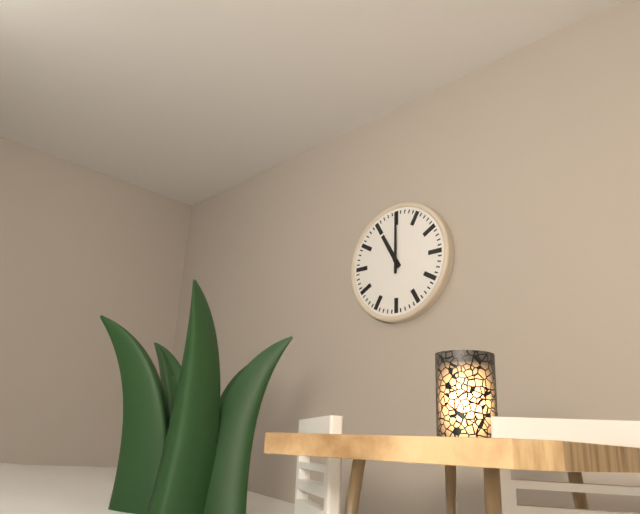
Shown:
11.00
